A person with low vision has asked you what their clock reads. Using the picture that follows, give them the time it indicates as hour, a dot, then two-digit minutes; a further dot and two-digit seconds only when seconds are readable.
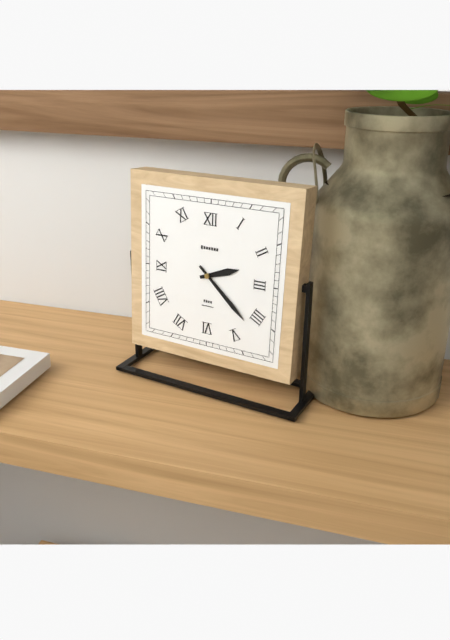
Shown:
2.22
